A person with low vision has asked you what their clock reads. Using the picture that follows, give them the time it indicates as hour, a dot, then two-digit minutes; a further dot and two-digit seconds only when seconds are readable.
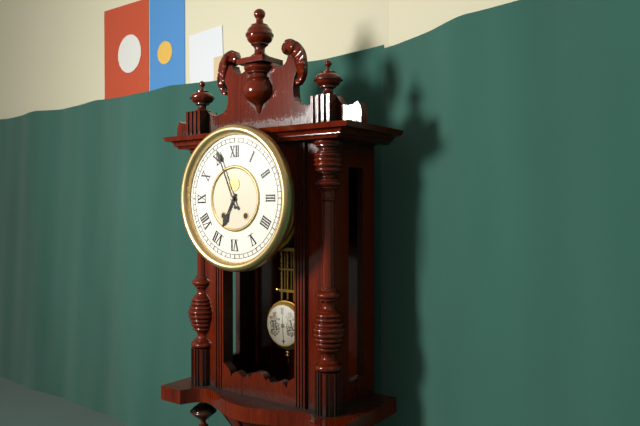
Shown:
6.56
